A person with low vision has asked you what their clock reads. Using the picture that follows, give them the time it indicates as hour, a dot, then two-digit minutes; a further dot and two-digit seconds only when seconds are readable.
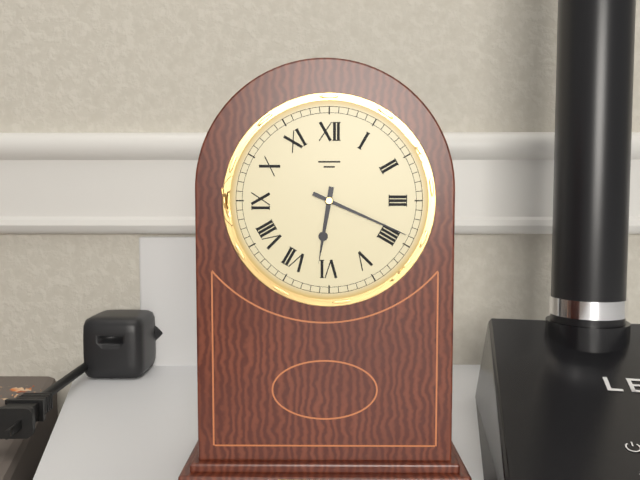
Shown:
6.19
